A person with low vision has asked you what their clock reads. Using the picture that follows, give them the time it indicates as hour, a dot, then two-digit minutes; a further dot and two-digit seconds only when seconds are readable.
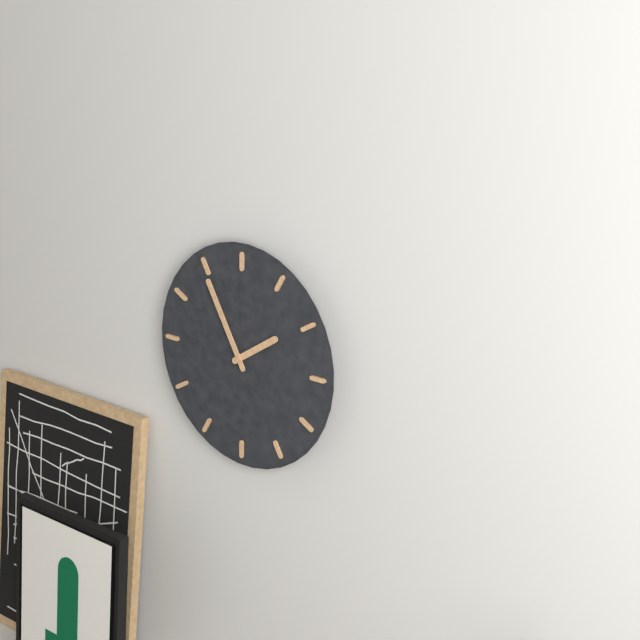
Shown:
1.55
